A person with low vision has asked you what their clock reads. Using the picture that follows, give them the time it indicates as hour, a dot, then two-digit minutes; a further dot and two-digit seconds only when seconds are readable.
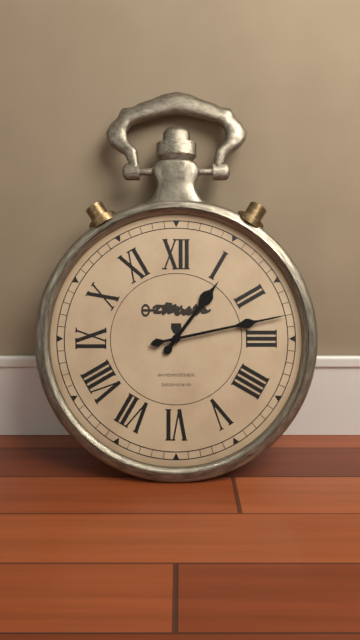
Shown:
1.13
